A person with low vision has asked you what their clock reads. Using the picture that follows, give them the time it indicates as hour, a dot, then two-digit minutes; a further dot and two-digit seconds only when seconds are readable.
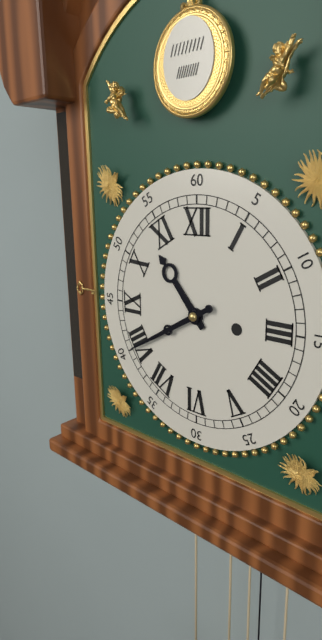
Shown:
10.40
